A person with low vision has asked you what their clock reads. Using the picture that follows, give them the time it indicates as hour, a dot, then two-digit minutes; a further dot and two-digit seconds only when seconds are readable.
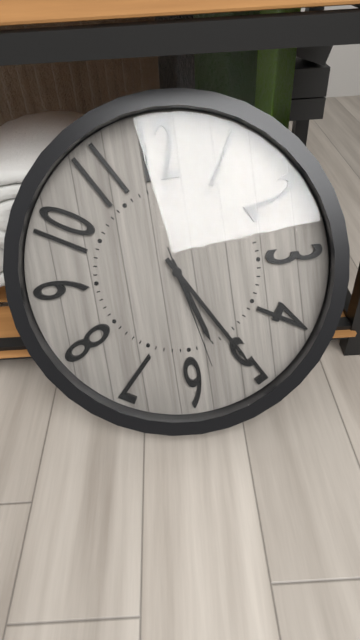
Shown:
5.25.28
